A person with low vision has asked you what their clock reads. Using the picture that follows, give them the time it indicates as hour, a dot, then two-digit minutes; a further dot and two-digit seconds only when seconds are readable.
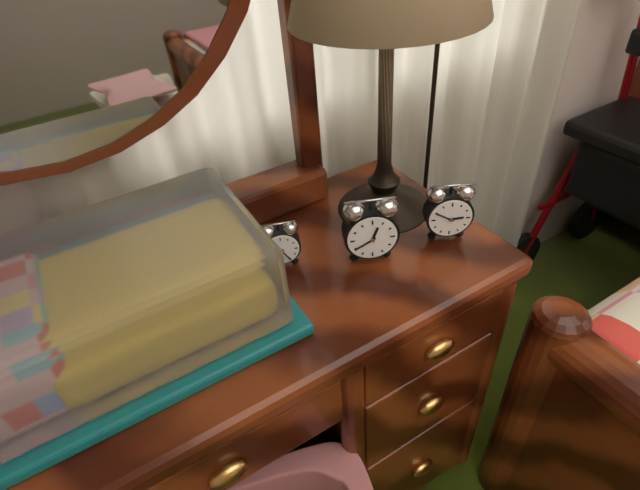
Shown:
12.40
